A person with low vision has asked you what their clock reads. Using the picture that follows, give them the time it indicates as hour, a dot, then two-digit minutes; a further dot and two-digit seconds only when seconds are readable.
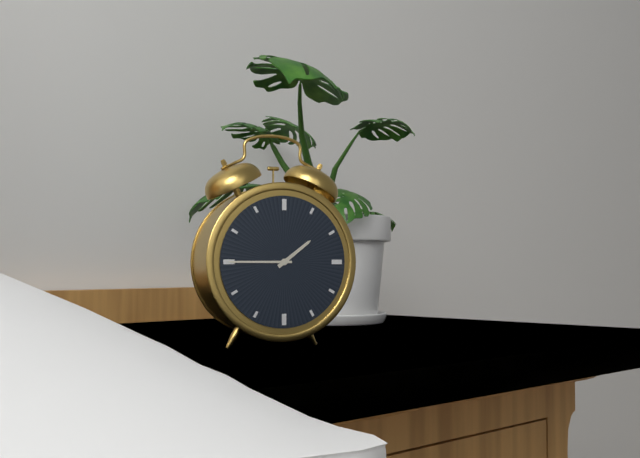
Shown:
1.45
